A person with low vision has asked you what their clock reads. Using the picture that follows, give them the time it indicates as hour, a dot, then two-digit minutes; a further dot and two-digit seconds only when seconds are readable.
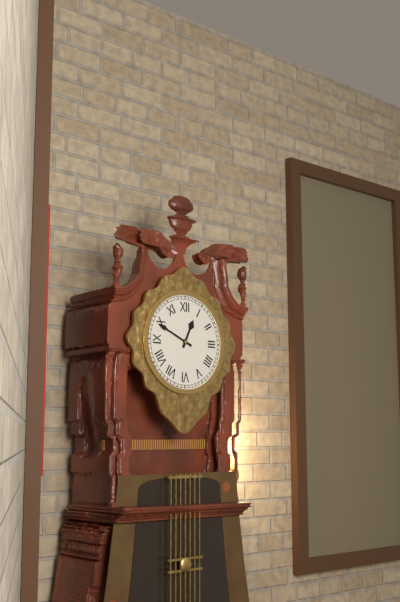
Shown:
12.49
